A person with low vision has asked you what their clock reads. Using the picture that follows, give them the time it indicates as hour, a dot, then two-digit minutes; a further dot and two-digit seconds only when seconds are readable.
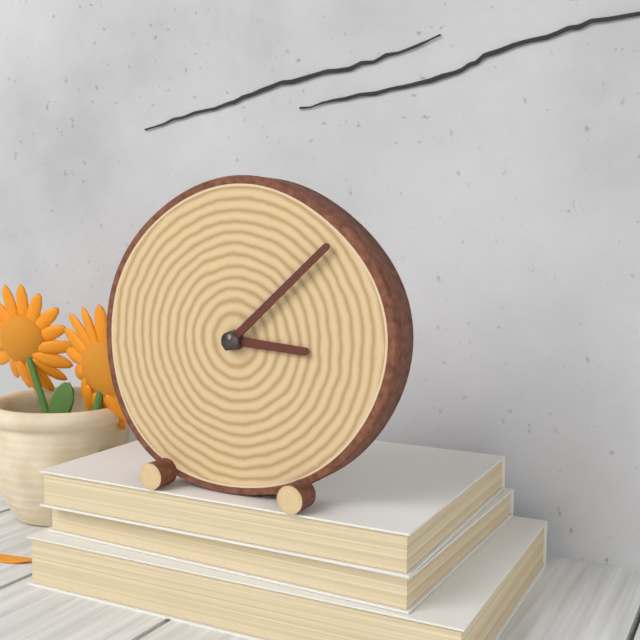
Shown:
3.08
